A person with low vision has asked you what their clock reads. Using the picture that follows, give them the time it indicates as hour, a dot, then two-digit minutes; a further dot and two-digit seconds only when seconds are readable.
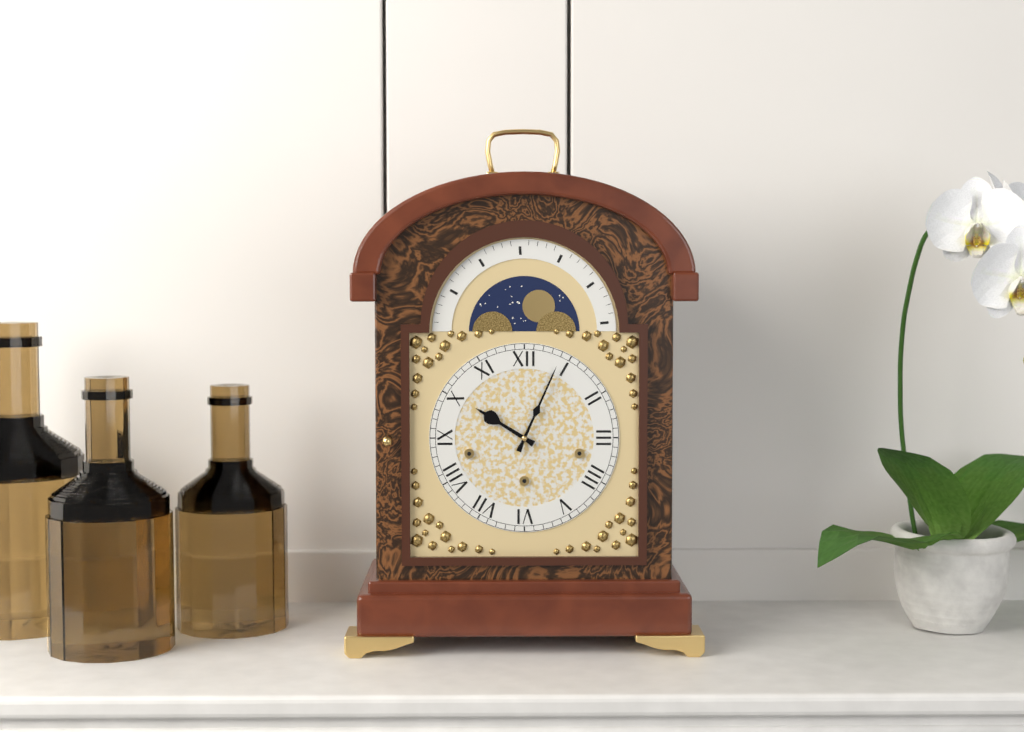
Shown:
10.04
